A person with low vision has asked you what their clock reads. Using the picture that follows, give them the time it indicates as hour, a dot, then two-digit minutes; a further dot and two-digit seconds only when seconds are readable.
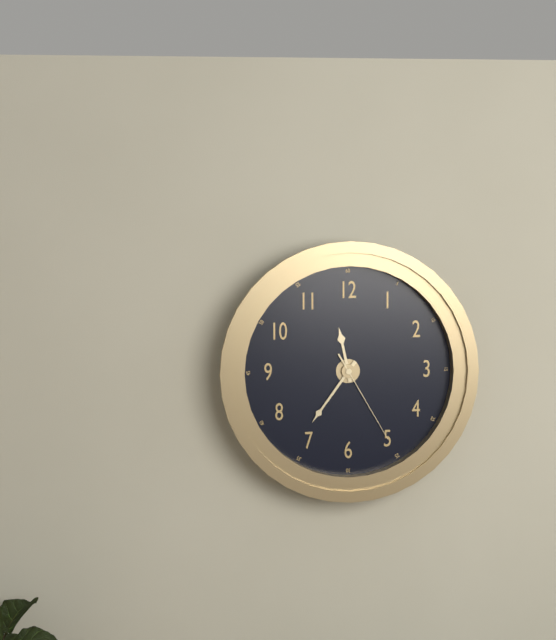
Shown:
11.36.25
